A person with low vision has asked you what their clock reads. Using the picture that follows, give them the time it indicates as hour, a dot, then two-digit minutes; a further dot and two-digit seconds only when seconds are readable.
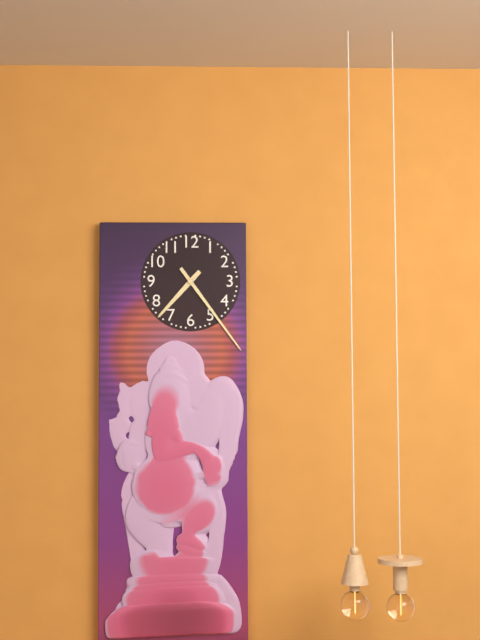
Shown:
7.24
